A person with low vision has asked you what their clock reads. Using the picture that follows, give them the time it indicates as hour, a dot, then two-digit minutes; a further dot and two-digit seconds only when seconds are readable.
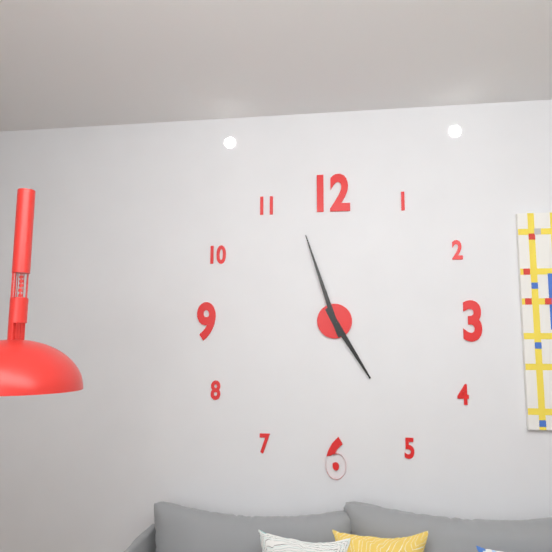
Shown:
4.57
